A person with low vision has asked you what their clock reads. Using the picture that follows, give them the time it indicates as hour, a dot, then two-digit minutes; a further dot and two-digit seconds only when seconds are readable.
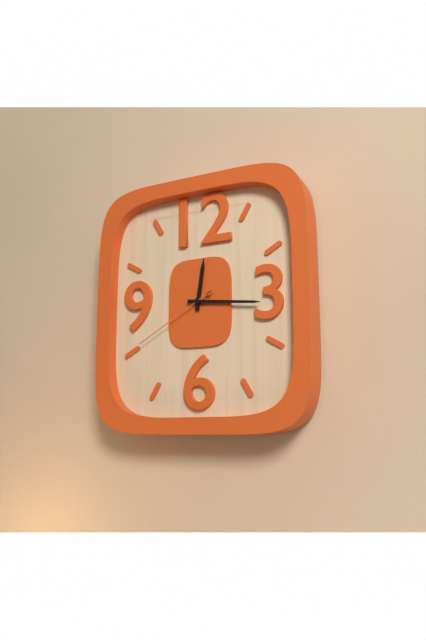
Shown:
12.16.40
